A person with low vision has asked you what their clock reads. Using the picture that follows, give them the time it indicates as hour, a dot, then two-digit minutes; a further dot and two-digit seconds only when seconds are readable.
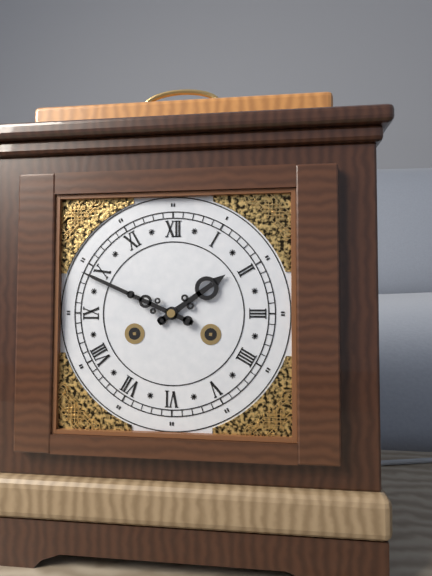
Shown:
1.49
